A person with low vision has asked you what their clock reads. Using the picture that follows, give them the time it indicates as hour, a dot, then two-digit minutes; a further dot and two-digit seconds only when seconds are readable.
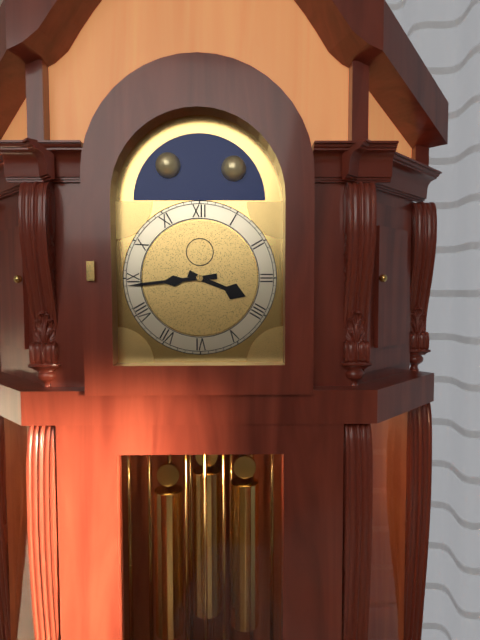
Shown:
3.44
